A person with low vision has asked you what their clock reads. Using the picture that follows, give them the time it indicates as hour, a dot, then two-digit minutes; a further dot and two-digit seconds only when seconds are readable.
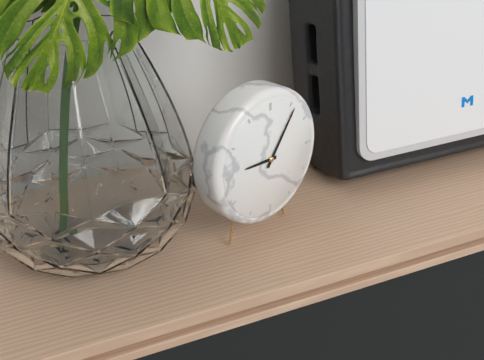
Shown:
9.06
